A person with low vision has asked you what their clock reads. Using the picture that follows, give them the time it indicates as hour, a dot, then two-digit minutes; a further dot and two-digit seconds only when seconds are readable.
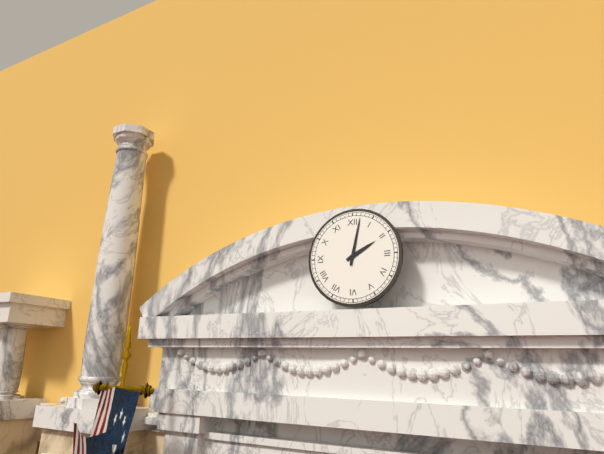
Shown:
2.02
